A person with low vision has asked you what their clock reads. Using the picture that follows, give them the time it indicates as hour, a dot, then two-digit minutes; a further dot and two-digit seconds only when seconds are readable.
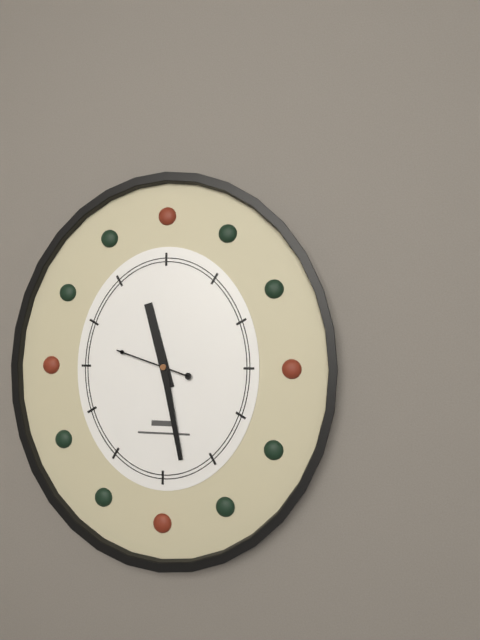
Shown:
11.28.48
